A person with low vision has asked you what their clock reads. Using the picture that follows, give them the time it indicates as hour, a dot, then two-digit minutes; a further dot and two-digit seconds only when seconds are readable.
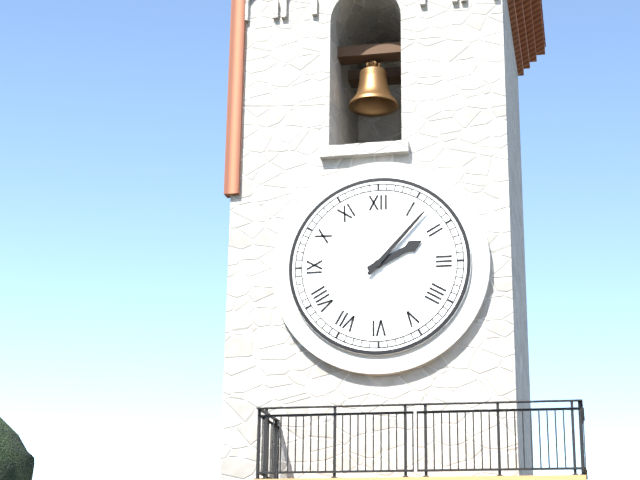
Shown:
2.07
